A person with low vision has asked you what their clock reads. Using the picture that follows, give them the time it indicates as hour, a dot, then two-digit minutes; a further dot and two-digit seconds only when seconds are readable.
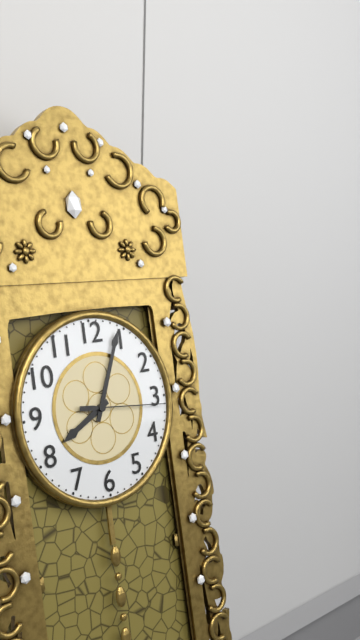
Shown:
8.04.16
